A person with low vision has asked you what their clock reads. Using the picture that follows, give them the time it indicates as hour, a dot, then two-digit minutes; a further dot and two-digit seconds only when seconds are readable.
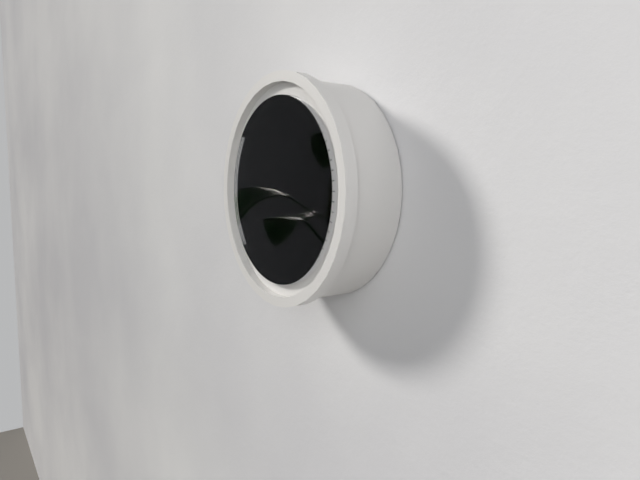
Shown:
9.26.24
